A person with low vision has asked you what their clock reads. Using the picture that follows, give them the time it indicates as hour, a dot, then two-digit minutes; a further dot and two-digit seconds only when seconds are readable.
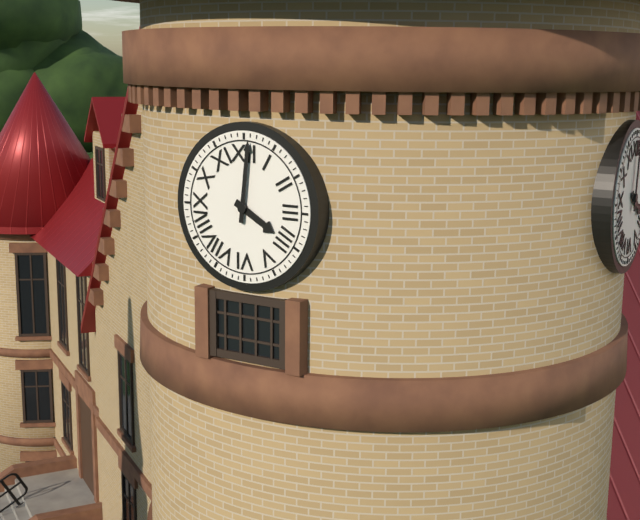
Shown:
4.01
